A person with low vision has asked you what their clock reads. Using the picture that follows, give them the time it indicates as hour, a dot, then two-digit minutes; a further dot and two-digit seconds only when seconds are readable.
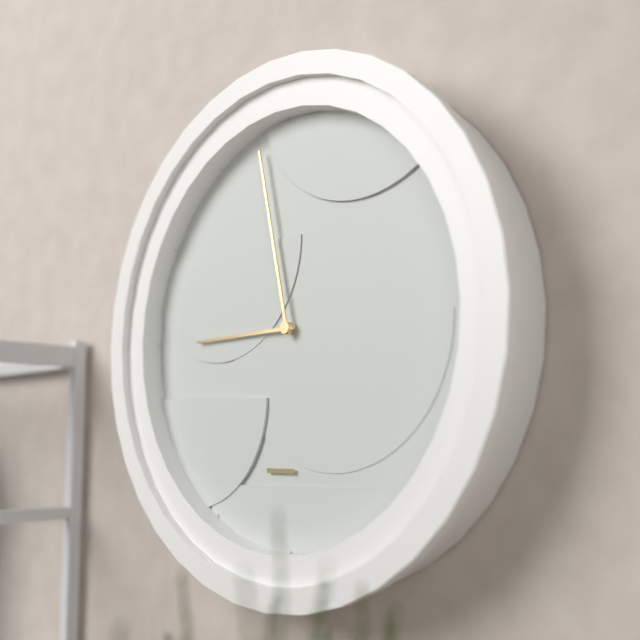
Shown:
8.58
